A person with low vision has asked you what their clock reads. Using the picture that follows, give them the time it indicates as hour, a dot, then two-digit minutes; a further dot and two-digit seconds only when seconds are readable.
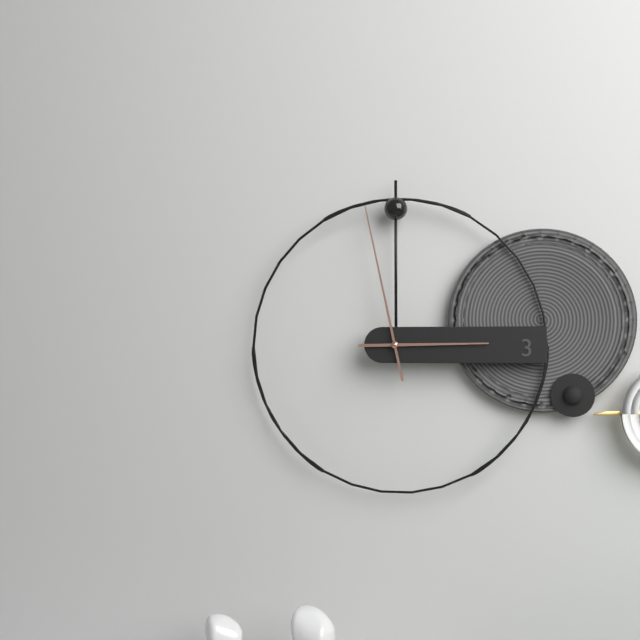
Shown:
2.58
